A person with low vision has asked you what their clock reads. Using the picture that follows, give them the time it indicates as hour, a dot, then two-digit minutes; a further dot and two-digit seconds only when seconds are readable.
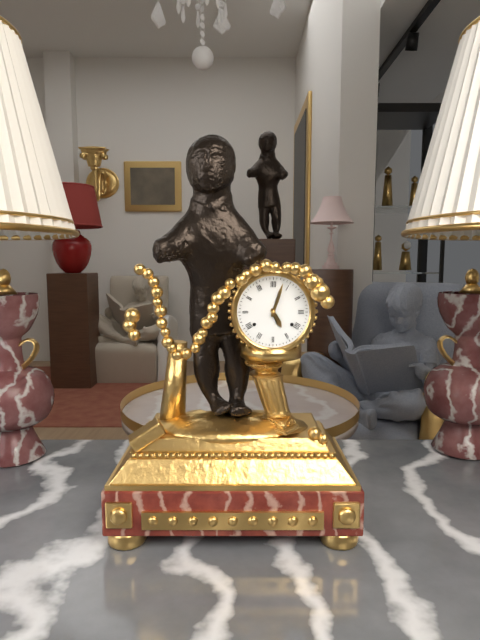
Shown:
5.03
